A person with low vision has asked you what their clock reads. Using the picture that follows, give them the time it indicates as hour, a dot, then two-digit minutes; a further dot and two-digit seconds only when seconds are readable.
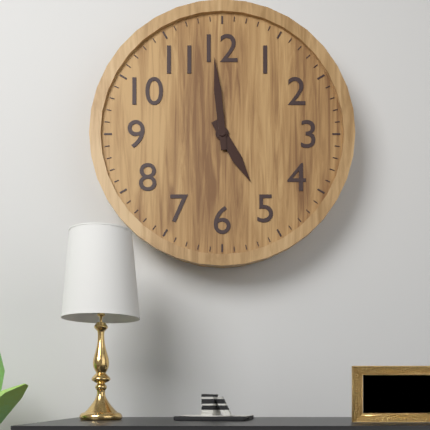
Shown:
4.59
